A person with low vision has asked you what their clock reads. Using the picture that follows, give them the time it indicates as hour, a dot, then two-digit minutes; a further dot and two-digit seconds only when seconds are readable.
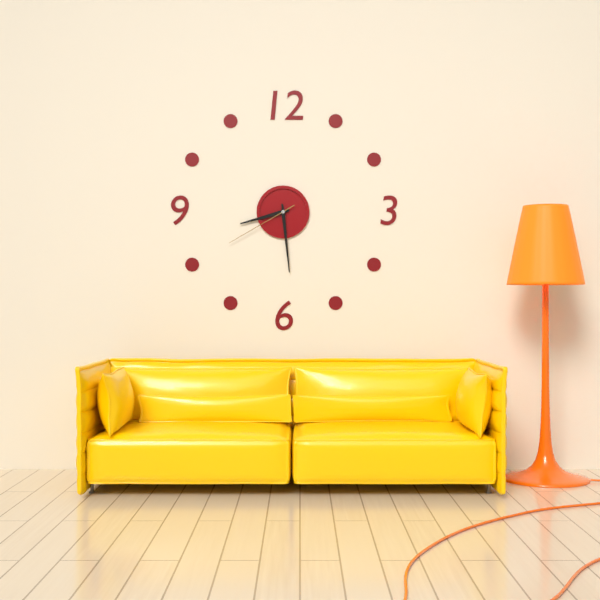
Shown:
8.29.40
